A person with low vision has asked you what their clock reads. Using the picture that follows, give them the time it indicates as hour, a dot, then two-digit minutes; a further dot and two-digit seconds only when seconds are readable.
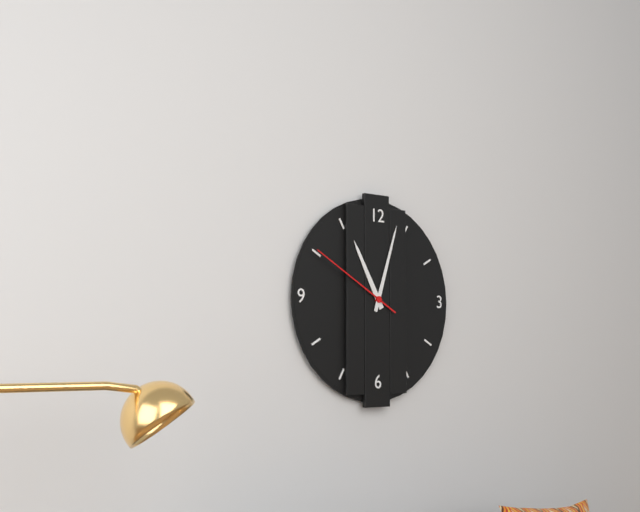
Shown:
11.03.50
